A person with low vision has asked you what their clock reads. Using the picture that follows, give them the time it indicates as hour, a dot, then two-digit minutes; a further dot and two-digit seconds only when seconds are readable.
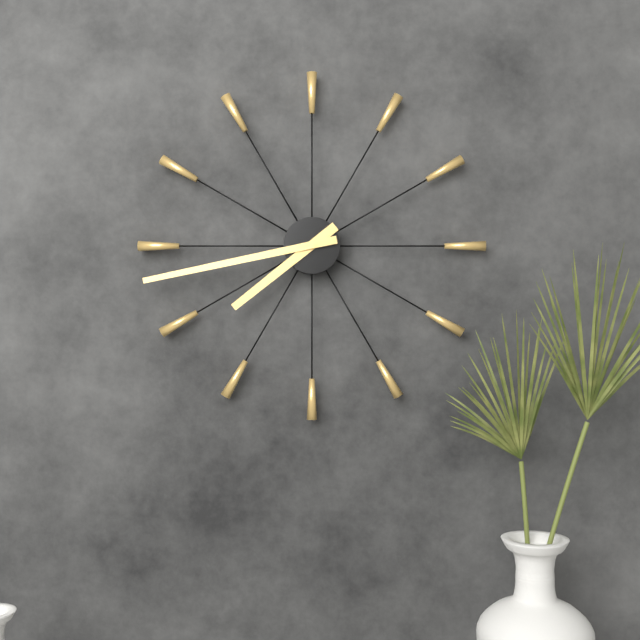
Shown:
7.43
